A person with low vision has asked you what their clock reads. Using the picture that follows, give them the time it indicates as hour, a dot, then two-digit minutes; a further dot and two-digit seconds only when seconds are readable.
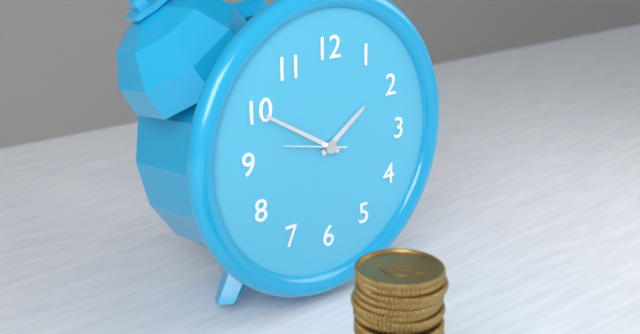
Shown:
1.50.47
